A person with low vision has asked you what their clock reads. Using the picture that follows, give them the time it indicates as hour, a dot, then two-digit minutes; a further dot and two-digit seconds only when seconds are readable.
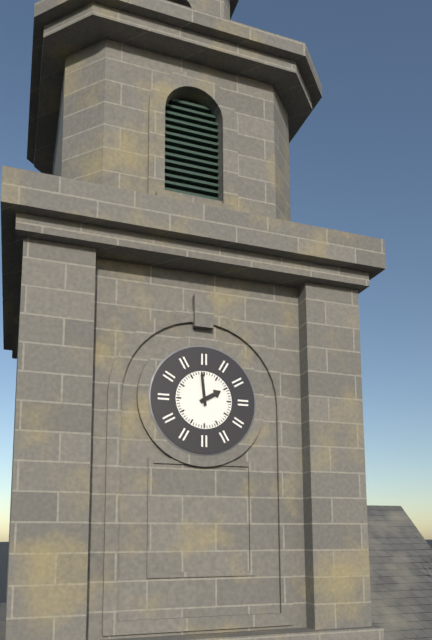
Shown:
1.59
